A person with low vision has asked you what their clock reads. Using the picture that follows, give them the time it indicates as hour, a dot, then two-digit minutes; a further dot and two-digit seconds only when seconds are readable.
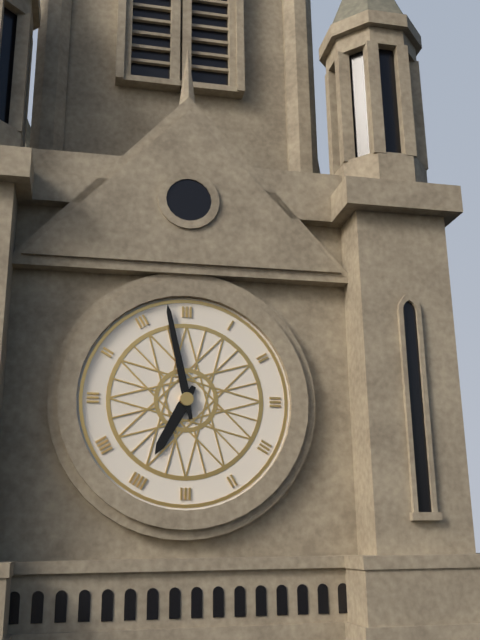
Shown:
6.58
